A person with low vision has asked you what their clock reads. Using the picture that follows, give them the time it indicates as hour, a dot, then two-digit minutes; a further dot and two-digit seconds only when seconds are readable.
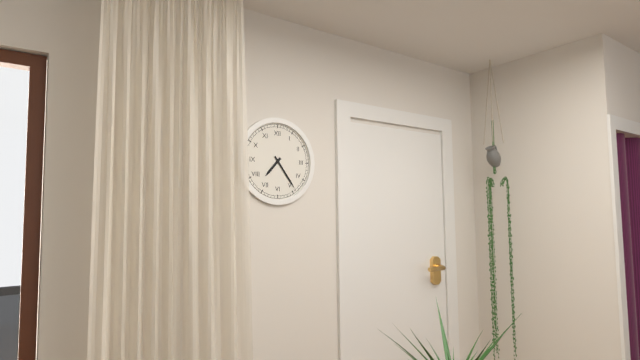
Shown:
7.24
